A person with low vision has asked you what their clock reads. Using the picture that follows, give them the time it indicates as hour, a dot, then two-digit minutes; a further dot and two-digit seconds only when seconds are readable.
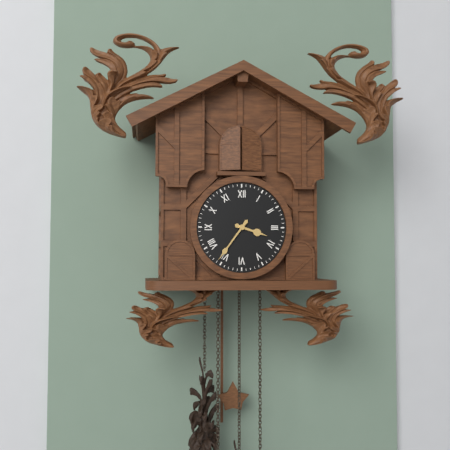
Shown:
3.36
